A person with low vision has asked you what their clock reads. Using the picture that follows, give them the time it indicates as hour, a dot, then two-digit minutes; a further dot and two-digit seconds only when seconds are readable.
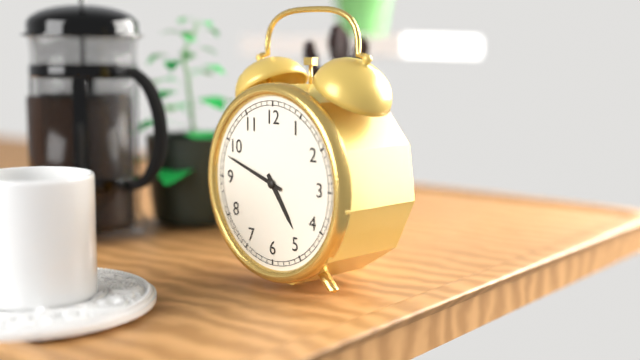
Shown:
4.48
